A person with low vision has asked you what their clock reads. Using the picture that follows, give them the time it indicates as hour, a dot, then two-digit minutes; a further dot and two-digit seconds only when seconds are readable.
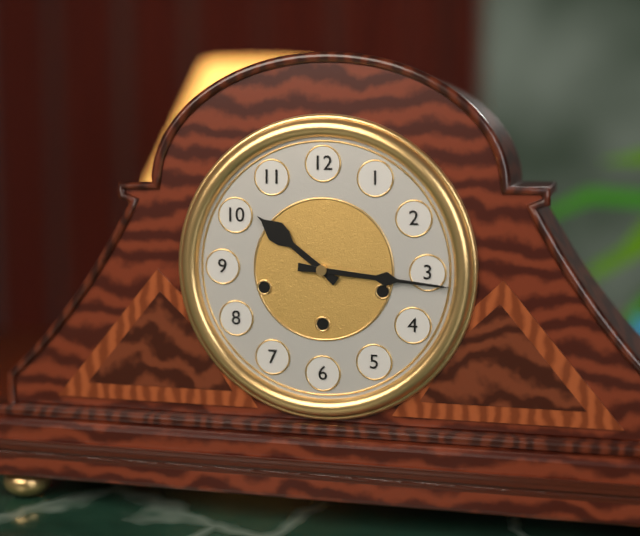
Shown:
10.16
